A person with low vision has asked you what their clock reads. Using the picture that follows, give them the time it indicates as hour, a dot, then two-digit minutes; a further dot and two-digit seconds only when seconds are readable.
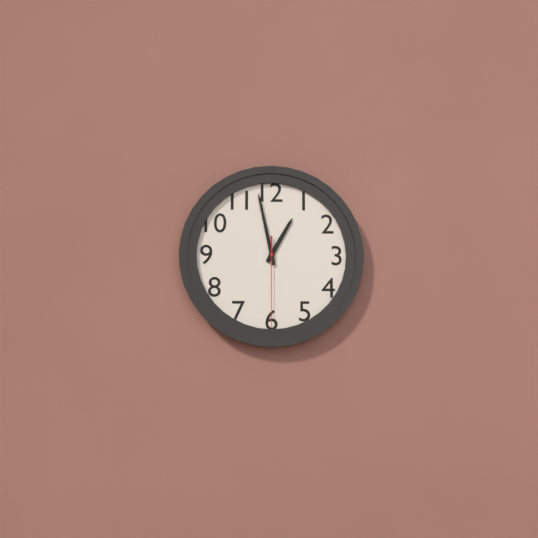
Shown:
12.58.30
